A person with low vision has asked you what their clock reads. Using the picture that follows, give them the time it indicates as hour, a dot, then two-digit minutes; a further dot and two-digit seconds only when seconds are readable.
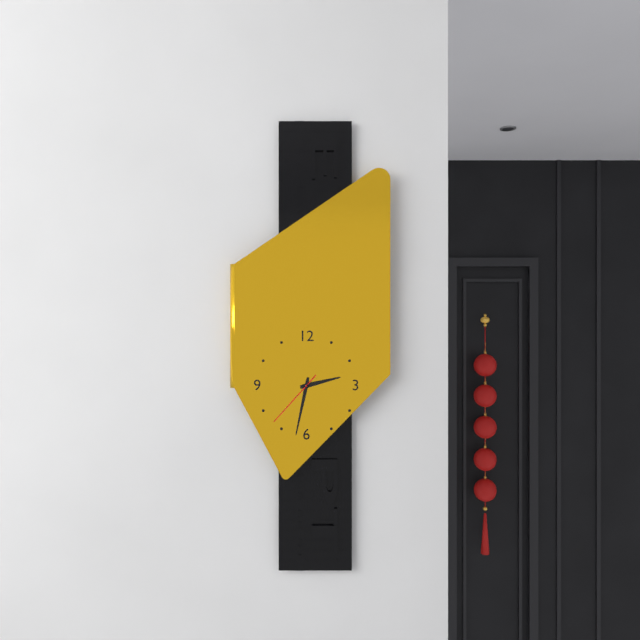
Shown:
2.32.37
